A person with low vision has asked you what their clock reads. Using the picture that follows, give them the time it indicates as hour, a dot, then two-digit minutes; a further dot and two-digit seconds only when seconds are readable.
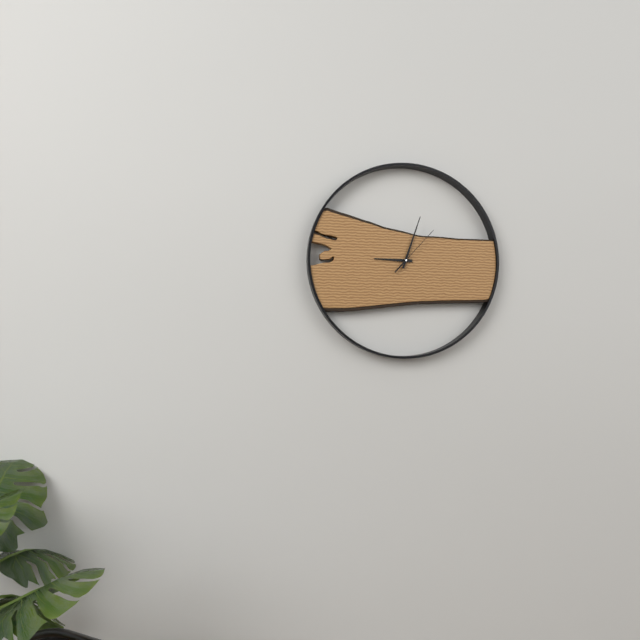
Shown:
9.03.07
